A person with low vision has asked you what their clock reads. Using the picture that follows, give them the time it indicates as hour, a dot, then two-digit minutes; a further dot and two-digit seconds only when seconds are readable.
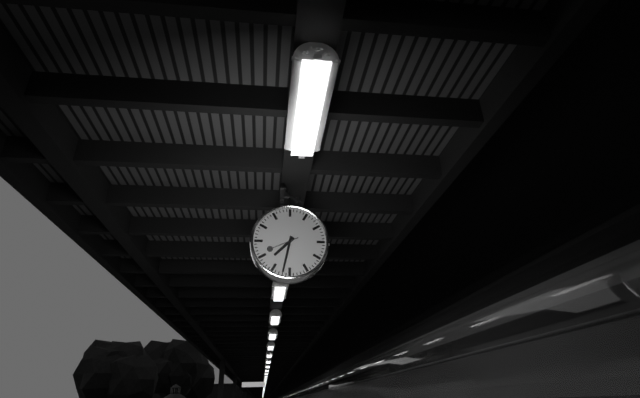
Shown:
7.32
